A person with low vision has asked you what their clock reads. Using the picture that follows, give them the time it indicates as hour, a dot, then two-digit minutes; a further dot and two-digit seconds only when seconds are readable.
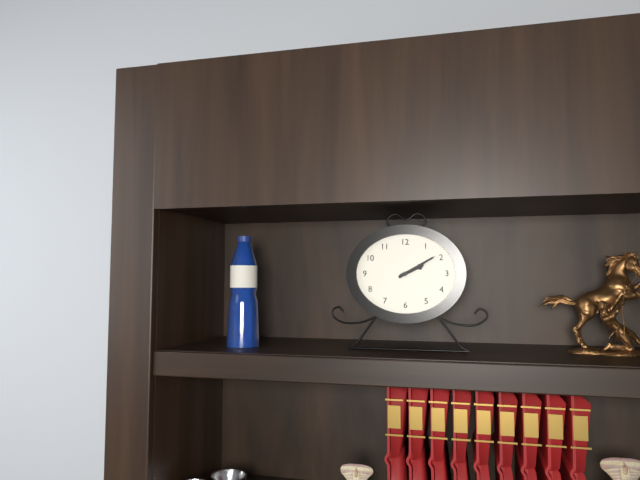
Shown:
2.10
